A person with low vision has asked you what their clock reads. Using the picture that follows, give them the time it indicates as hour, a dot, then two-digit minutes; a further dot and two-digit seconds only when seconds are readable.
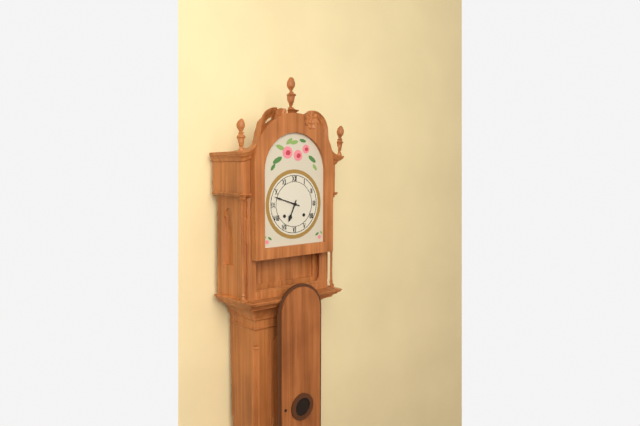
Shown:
6.48
